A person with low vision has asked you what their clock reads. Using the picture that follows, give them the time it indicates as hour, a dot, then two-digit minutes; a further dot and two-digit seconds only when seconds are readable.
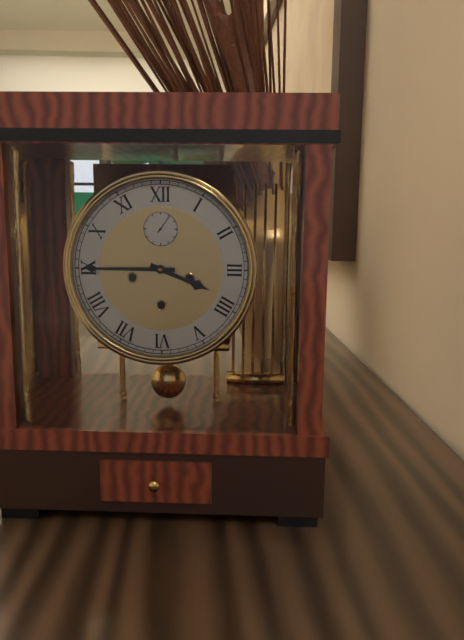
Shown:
3.45
